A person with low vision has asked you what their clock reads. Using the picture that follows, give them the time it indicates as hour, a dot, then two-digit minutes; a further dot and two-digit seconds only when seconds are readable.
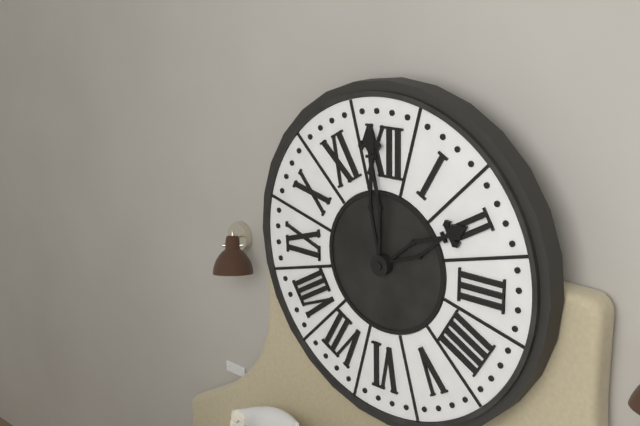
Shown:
1.59
